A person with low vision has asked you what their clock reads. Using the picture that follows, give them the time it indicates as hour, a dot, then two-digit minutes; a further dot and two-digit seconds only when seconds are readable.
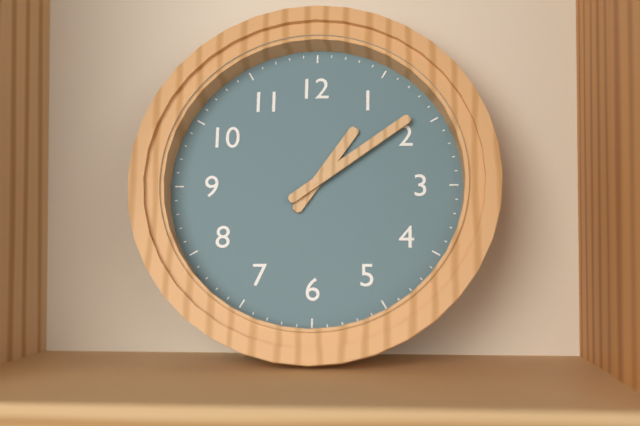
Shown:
1.09
